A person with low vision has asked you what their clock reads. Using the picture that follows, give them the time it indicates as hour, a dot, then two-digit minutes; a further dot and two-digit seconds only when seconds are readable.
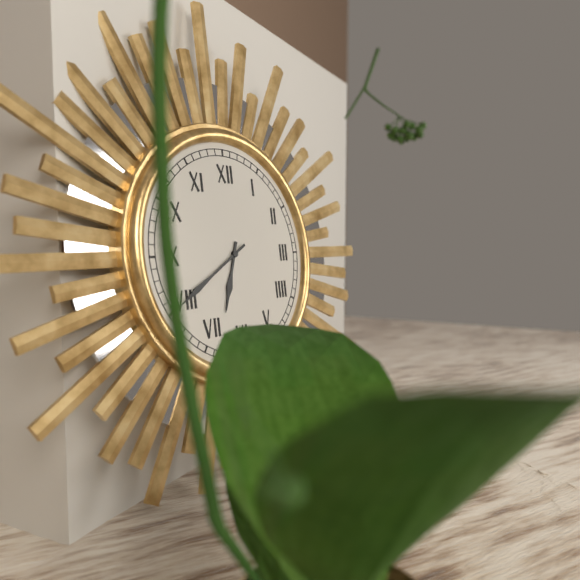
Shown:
6.40
